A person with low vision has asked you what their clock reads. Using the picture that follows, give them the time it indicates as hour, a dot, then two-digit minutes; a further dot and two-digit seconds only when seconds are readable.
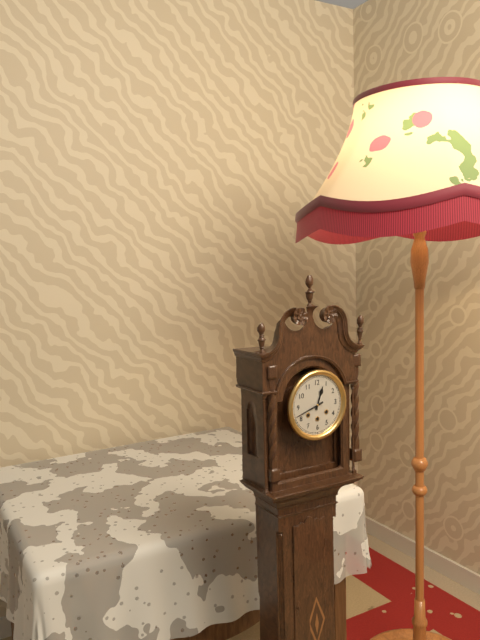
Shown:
12.42
